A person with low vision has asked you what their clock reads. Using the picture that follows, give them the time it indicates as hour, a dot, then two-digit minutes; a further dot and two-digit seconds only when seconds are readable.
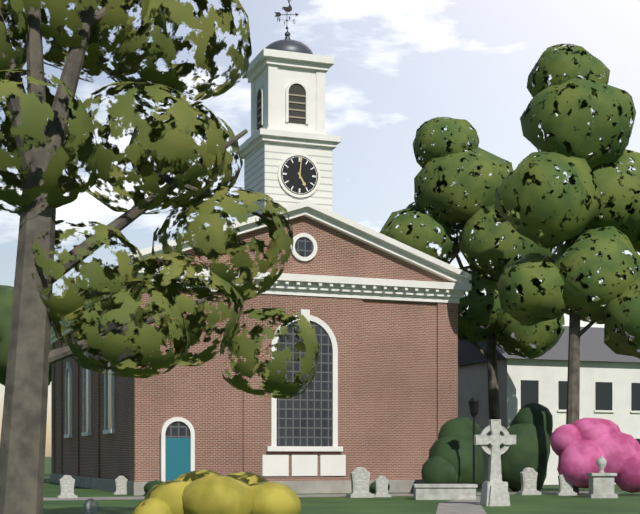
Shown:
5.01
